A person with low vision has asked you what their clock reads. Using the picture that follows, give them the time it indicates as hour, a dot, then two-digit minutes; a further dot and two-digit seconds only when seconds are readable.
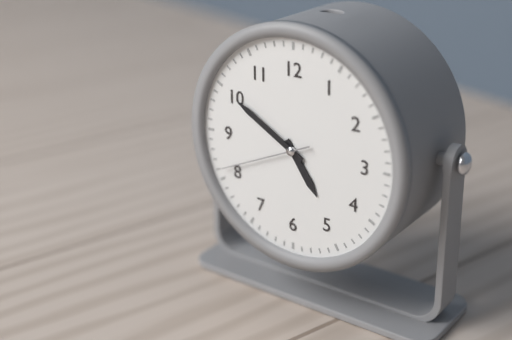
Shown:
4.50.41
